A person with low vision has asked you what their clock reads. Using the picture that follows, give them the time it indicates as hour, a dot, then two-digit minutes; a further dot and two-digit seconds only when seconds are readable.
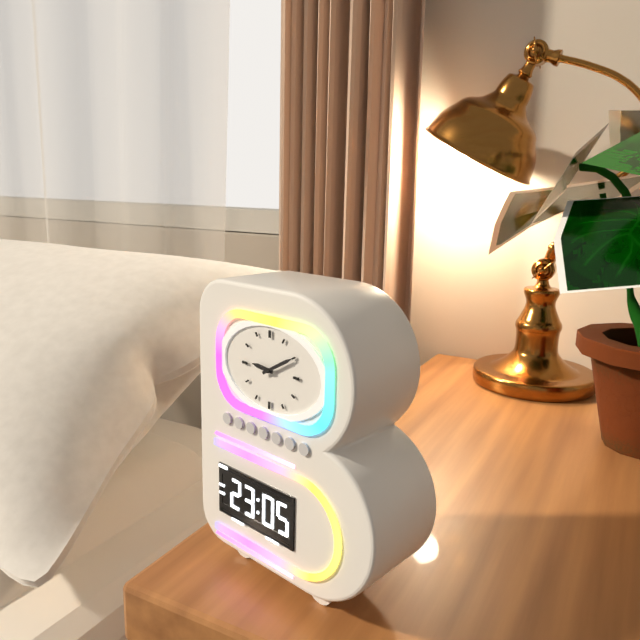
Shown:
9.10
